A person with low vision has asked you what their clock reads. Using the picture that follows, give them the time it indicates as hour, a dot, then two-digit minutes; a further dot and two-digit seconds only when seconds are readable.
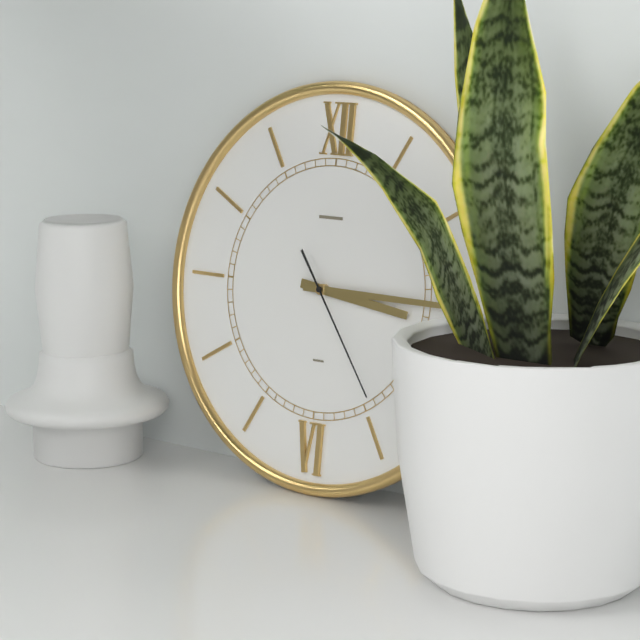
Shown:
3.15.24
